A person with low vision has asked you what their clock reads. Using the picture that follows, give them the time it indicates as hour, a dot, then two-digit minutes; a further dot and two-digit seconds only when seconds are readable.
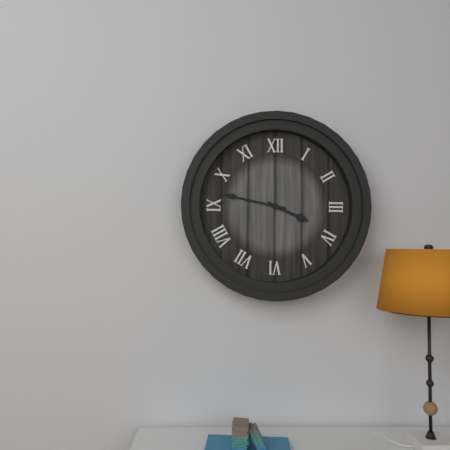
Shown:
3.47
